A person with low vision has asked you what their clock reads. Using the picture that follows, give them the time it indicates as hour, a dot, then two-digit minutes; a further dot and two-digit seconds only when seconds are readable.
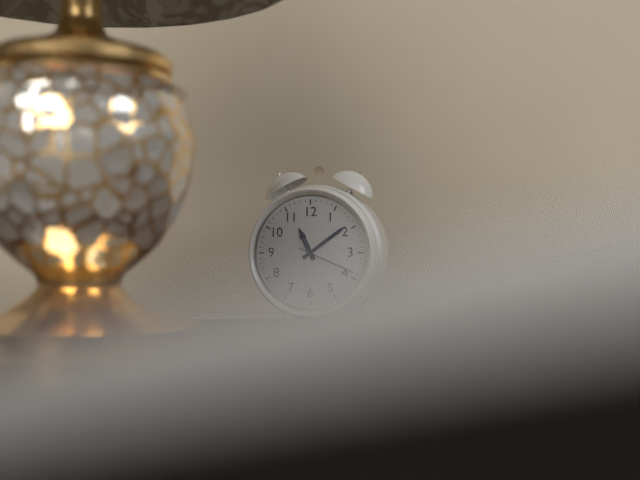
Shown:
11.09.19
